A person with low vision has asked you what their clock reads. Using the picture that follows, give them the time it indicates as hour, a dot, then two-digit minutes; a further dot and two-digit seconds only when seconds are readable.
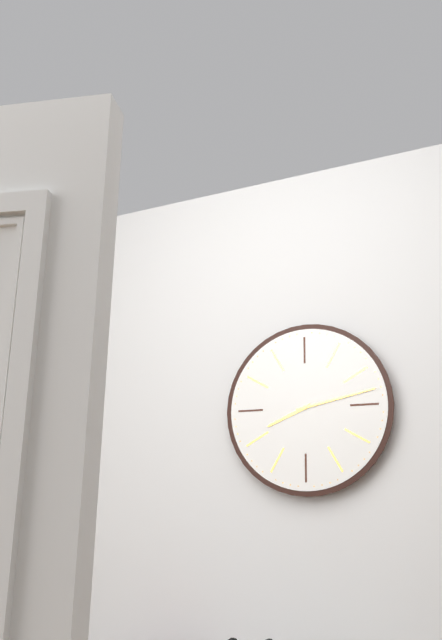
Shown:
8.13
